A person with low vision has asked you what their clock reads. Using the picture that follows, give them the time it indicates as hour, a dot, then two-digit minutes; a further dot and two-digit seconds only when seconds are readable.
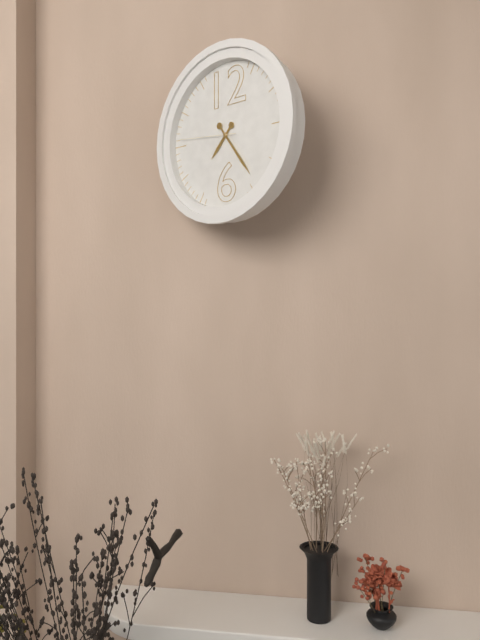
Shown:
7.24.46
